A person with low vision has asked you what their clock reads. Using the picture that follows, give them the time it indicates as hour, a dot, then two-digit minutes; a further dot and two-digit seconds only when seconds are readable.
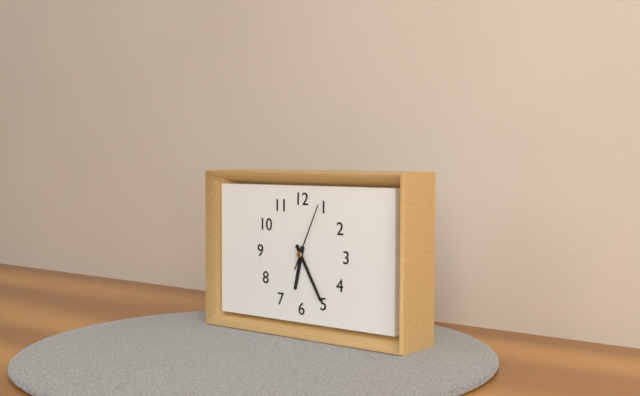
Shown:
6.25.04
